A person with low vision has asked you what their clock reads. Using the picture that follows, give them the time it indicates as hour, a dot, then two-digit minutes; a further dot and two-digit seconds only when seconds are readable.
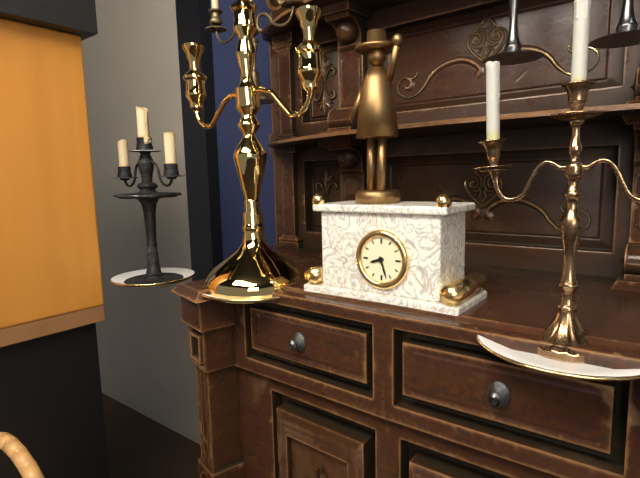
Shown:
8.27
